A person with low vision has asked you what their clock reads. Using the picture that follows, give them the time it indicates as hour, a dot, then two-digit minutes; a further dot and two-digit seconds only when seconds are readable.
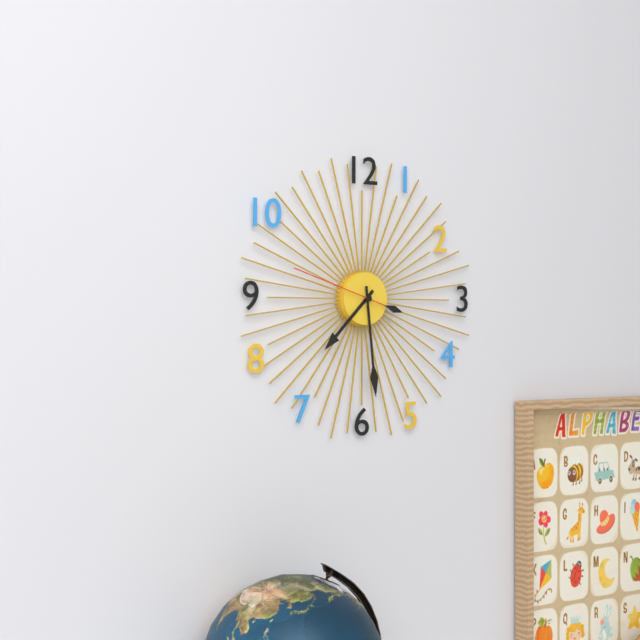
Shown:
7.29.48
